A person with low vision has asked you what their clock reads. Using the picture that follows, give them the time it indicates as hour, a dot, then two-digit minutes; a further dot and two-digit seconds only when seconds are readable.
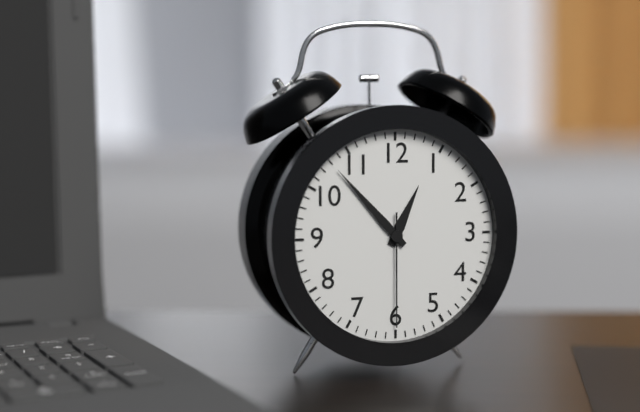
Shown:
12.53.30
